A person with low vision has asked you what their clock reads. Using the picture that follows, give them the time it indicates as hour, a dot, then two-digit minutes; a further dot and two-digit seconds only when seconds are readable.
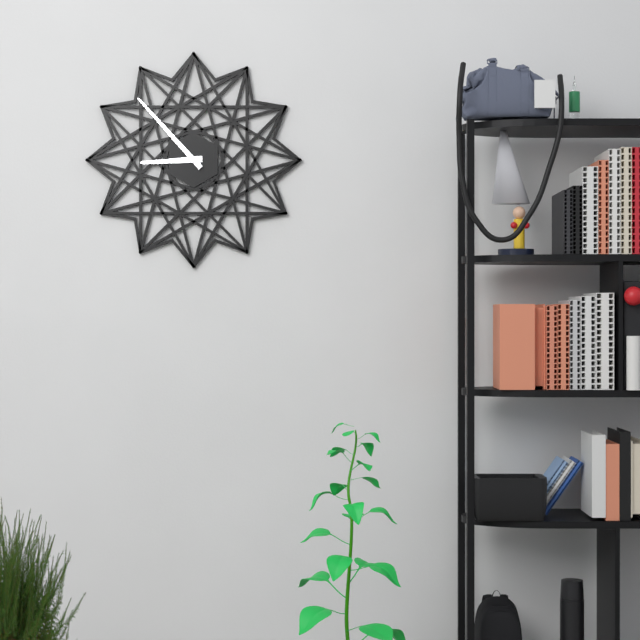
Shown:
8.53
